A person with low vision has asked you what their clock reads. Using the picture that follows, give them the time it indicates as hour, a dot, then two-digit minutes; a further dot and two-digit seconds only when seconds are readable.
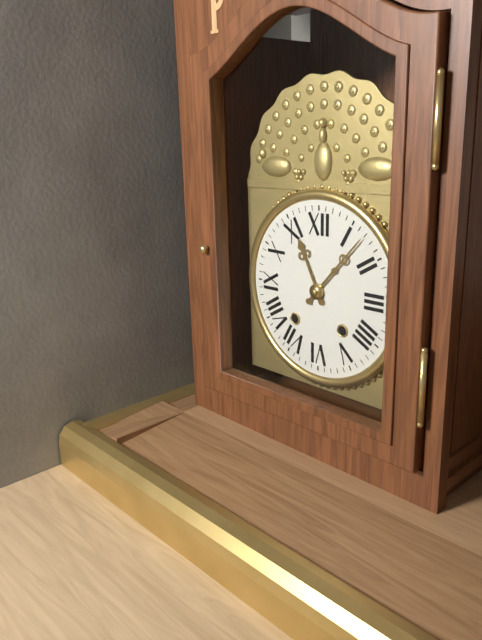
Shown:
11.07
